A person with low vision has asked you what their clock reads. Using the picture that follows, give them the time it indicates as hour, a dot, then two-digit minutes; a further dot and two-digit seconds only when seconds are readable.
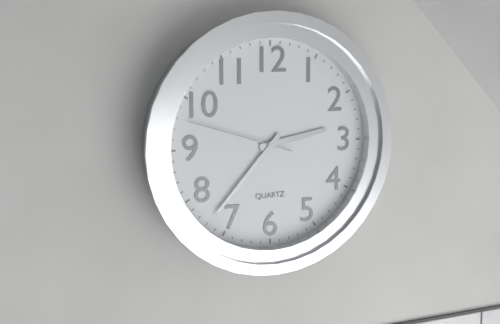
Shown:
2.37.48
